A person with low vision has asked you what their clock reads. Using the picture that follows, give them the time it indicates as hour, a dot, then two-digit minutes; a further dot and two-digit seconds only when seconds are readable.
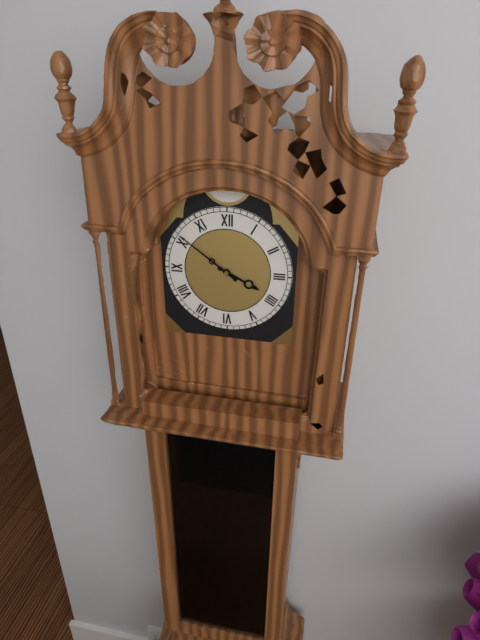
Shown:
3.51
